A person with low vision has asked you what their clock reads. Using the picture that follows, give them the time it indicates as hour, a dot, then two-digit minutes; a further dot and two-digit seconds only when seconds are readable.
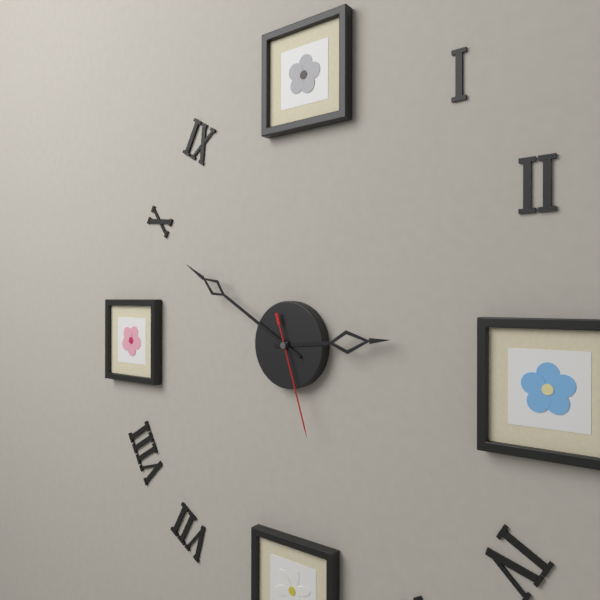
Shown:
2.50.27
